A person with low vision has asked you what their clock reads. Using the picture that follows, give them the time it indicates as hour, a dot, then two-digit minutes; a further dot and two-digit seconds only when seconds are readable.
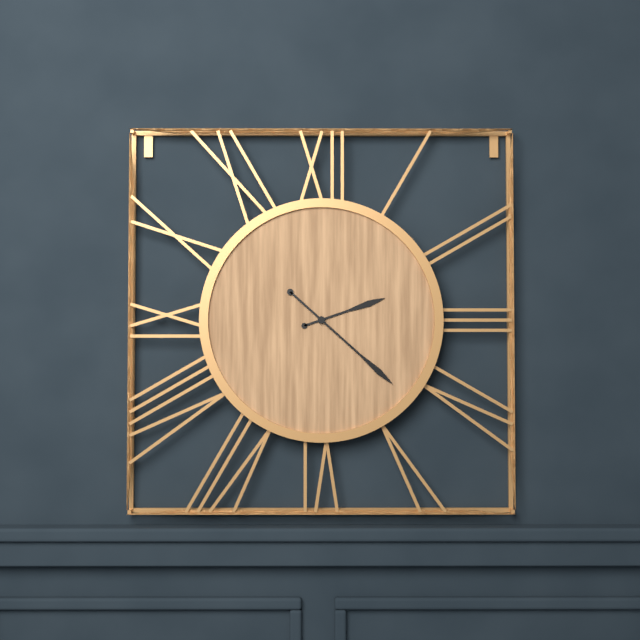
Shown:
2.22
